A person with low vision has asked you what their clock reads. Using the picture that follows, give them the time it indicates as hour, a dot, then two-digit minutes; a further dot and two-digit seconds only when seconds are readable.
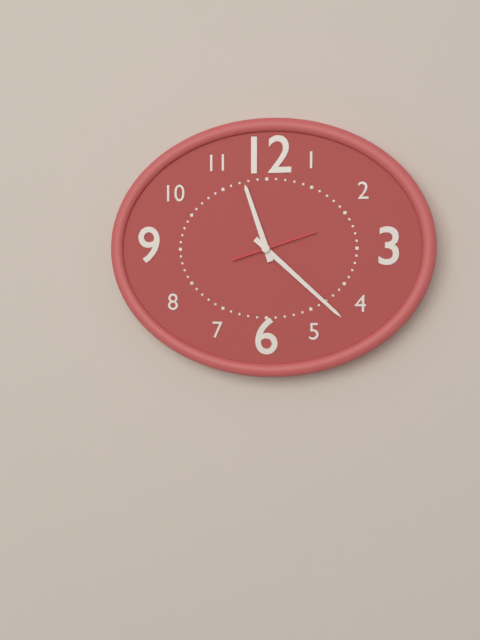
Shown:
11.22.12
